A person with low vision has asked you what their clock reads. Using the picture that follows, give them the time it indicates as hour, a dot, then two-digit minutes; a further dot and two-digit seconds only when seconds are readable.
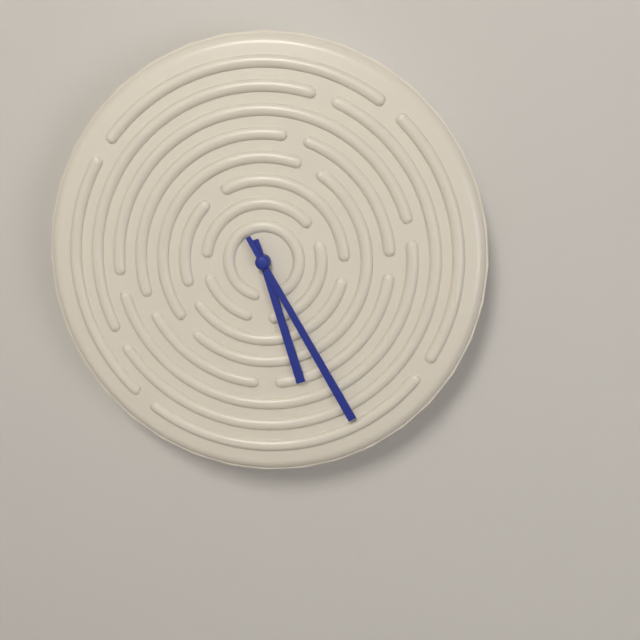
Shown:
5.25
